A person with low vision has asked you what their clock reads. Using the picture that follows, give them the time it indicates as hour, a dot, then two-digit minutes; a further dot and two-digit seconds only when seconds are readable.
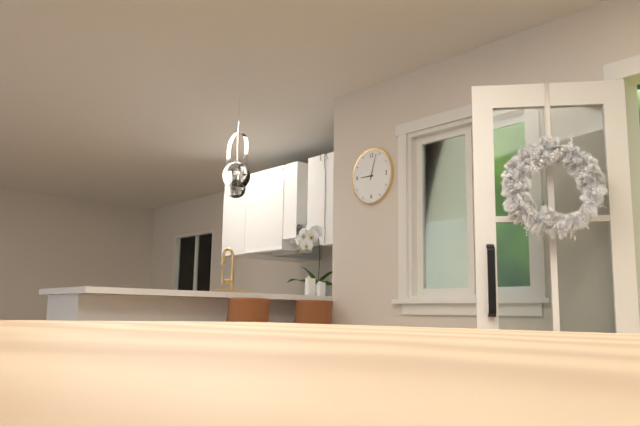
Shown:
9.03
